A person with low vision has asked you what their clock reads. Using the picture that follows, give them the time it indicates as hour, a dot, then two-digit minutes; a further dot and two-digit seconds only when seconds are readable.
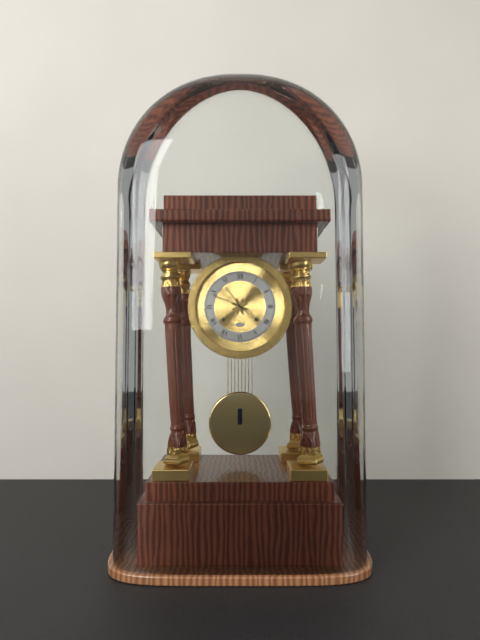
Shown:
10.49
